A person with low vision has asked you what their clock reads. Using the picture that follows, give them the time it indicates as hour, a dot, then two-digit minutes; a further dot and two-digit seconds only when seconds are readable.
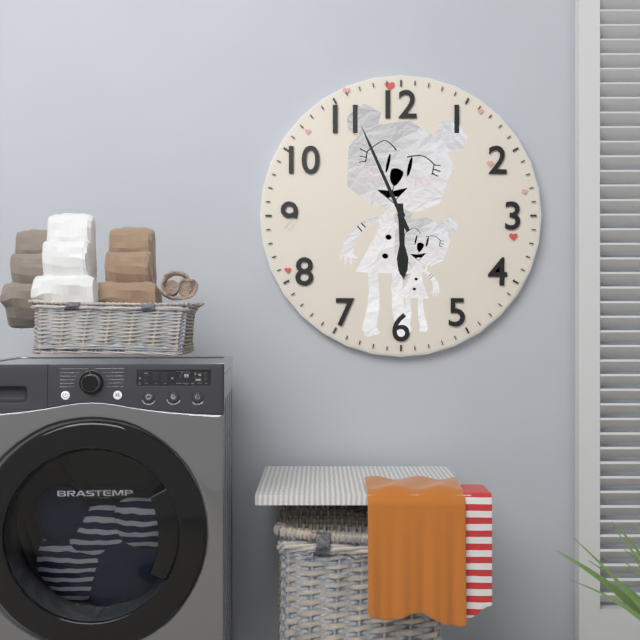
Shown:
5.56
